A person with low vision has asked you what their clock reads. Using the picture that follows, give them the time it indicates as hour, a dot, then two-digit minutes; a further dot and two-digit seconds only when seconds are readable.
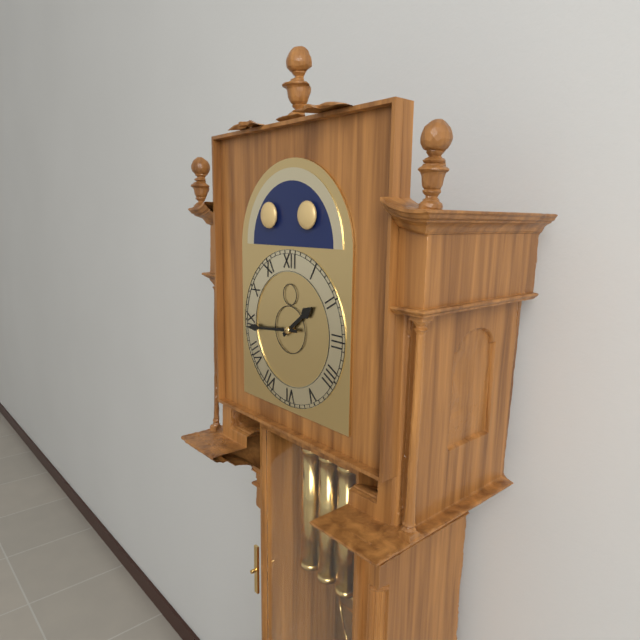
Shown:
1.44
